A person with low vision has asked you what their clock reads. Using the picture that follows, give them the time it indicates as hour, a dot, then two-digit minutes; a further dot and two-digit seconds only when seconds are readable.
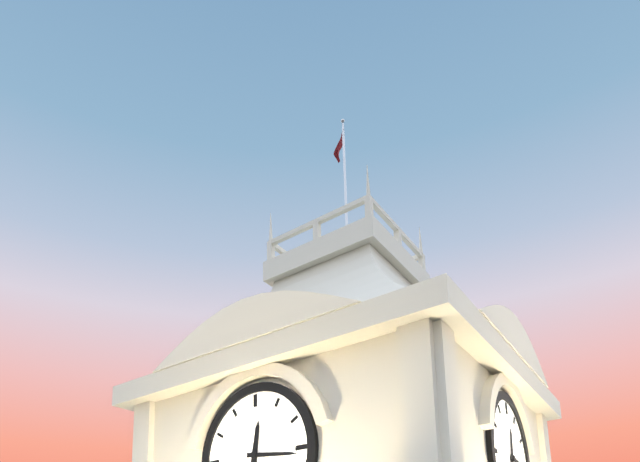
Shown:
12.16
